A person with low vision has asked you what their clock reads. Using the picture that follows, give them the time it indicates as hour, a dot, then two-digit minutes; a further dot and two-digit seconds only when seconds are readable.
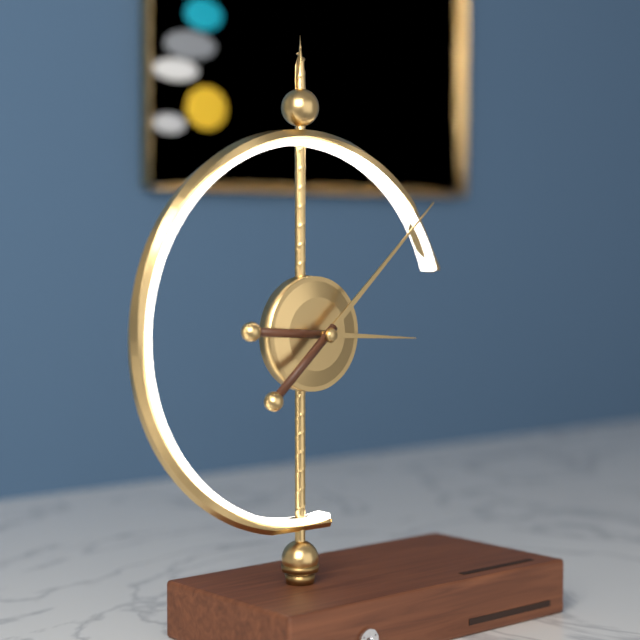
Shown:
3.08
